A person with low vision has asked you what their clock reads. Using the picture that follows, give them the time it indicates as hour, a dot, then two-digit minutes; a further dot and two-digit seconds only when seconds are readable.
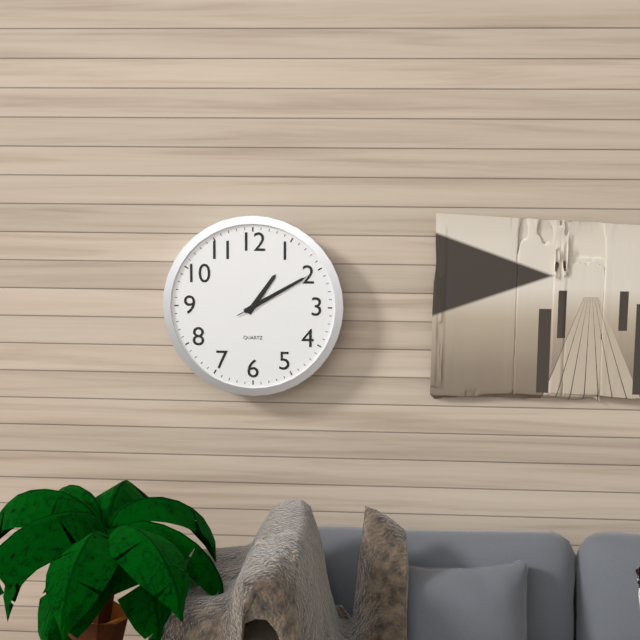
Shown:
1.10.10
